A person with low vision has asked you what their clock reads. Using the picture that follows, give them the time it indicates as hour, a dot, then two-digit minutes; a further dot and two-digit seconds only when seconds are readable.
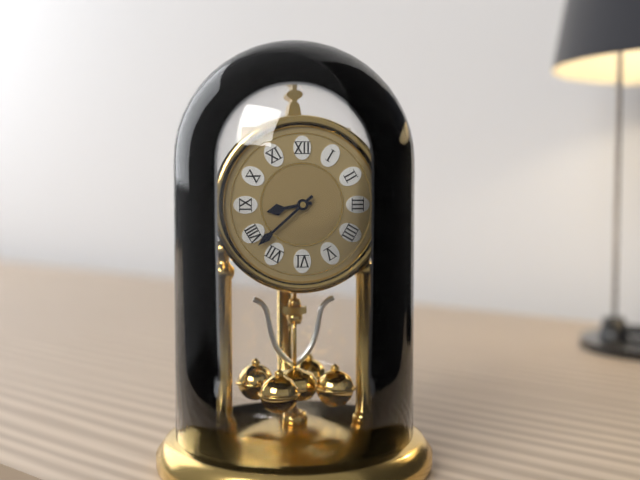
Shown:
8.38
